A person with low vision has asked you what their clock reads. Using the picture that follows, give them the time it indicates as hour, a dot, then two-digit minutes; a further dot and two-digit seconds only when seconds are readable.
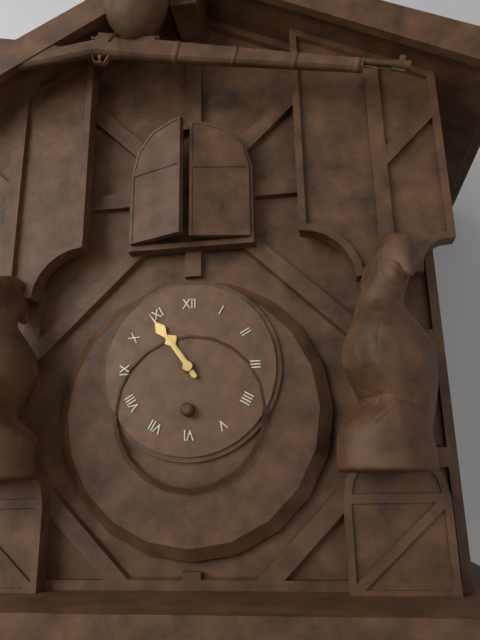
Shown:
10.54
